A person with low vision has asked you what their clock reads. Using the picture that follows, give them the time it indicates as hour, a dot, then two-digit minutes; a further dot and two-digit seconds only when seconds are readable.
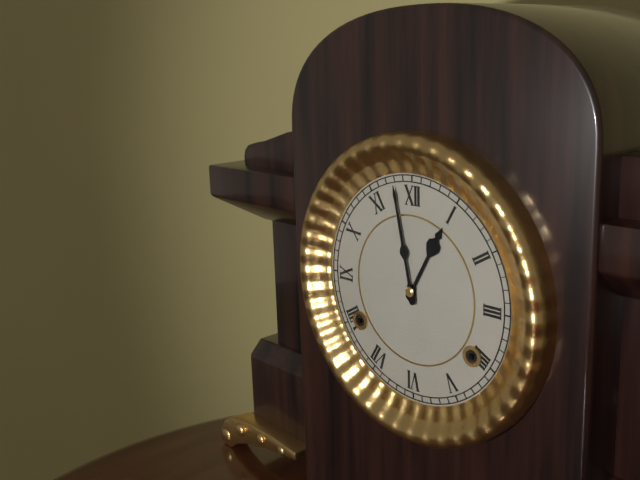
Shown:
12.58
